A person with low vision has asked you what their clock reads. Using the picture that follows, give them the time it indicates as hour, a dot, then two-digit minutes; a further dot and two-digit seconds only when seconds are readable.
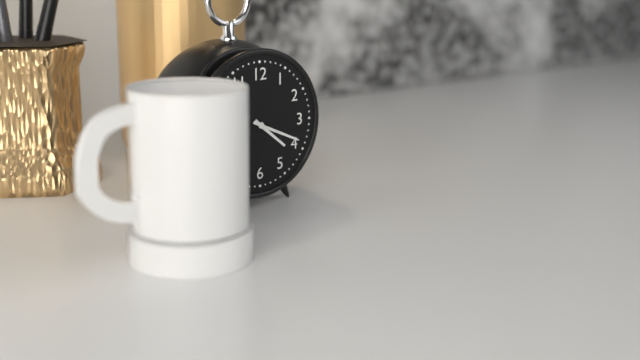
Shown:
4.19
